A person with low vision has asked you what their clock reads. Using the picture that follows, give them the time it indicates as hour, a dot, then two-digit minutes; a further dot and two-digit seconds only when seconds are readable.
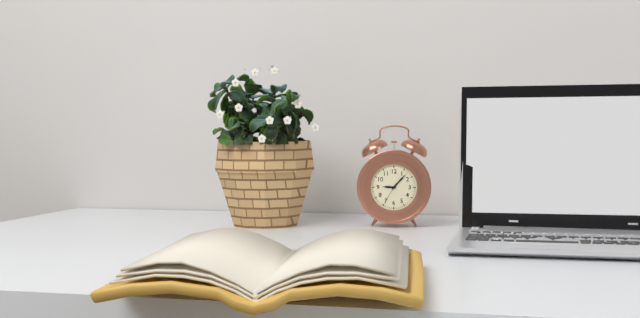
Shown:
9.07
